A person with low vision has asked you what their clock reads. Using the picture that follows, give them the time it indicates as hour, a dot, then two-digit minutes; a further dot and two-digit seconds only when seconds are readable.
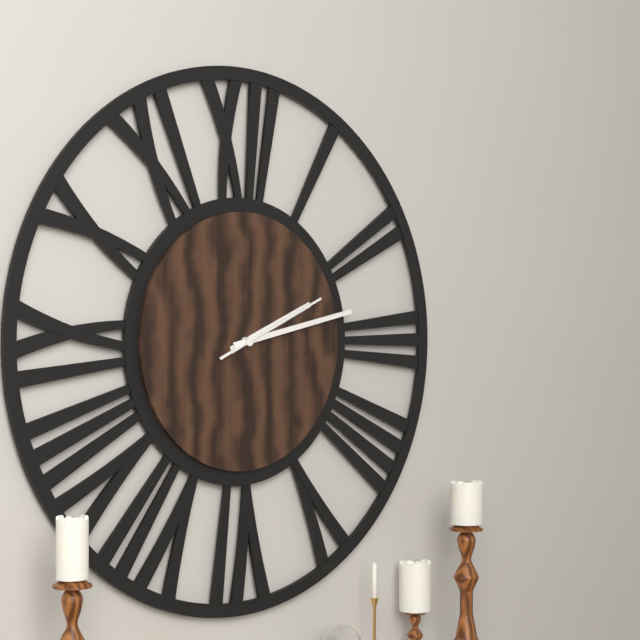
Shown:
2.13.11
